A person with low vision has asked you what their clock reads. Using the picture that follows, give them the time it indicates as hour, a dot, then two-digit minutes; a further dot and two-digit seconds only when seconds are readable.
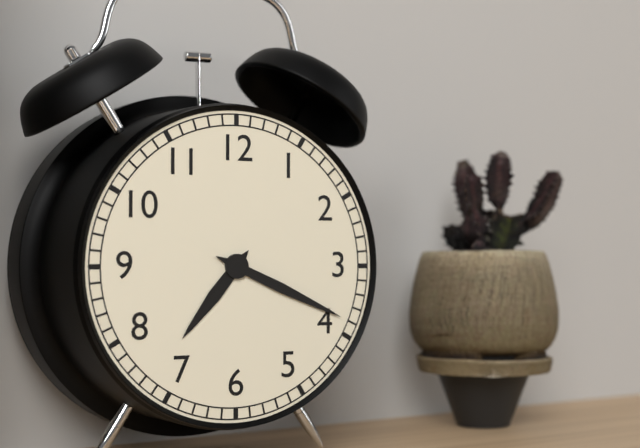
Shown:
7.19
